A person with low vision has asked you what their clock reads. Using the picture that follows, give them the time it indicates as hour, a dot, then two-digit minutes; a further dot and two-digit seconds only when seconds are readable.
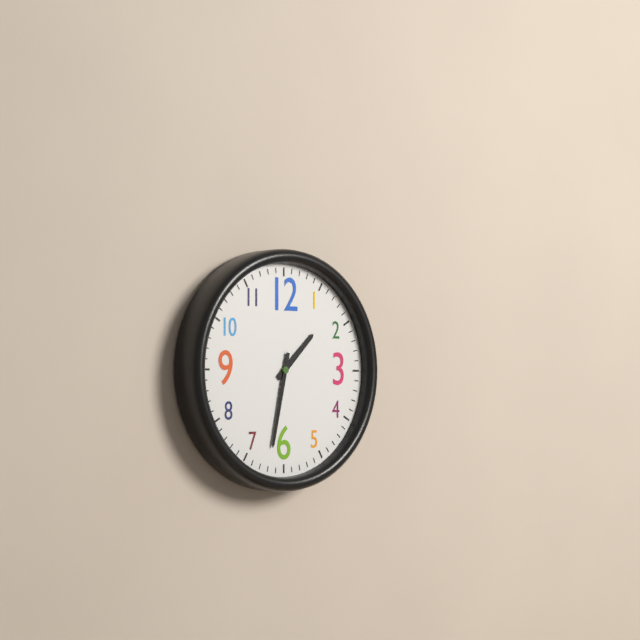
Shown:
1.32
